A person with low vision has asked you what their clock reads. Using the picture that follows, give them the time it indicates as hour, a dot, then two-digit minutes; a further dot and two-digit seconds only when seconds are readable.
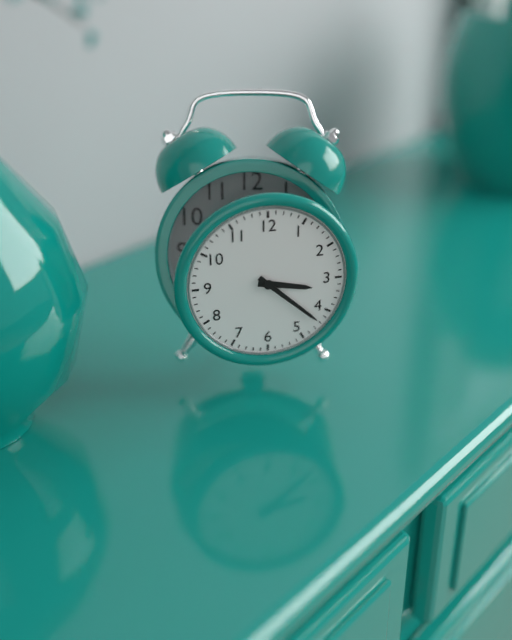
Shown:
3.22
